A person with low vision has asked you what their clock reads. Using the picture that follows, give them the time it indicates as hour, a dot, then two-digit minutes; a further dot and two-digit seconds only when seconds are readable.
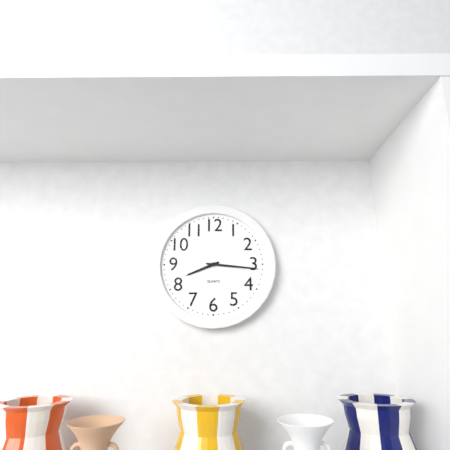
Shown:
8.16
